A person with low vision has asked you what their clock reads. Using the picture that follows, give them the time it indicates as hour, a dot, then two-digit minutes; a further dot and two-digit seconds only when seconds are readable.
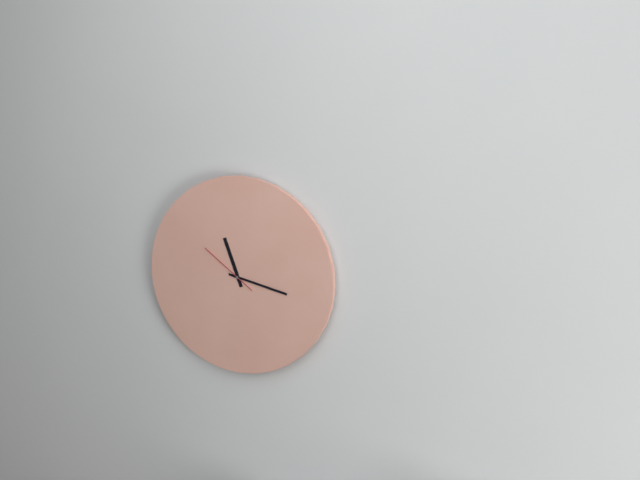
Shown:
11.17.51
